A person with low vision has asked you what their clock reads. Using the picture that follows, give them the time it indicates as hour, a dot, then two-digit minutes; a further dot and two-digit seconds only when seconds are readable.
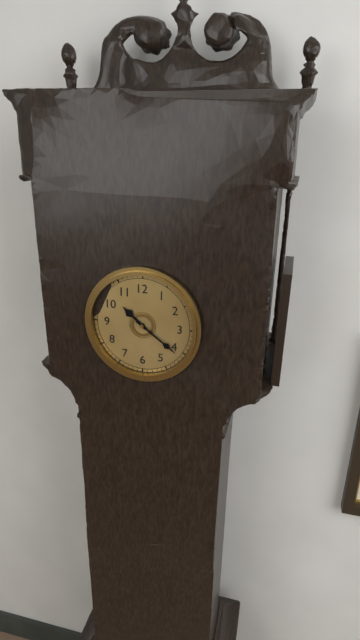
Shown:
10.21
